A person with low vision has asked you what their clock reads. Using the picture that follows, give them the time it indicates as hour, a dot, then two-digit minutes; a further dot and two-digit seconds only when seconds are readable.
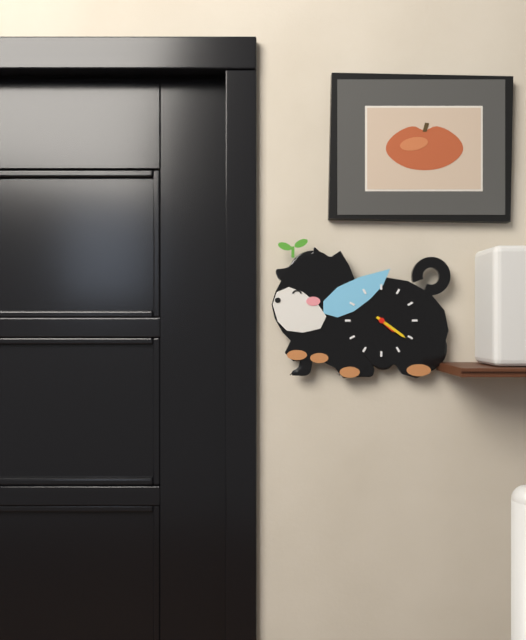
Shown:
4.21
